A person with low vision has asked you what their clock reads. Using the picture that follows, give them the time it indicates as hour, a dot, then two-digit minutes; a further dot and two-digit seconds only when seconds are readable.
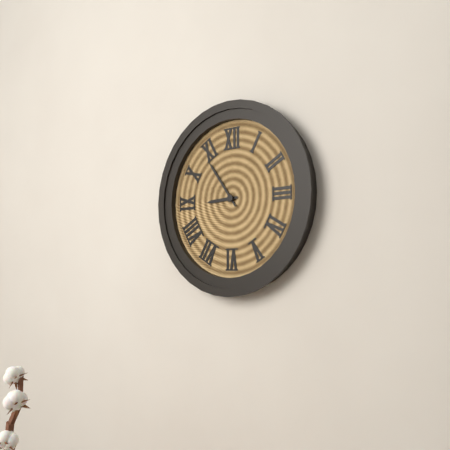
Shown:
8.54
